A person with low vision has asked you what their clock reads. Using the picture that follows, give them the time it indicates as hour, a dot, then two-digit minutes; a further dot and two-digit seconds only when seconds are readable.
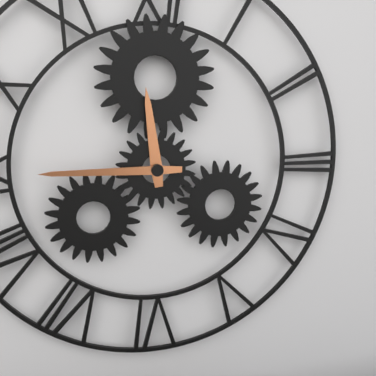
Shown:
11.45
